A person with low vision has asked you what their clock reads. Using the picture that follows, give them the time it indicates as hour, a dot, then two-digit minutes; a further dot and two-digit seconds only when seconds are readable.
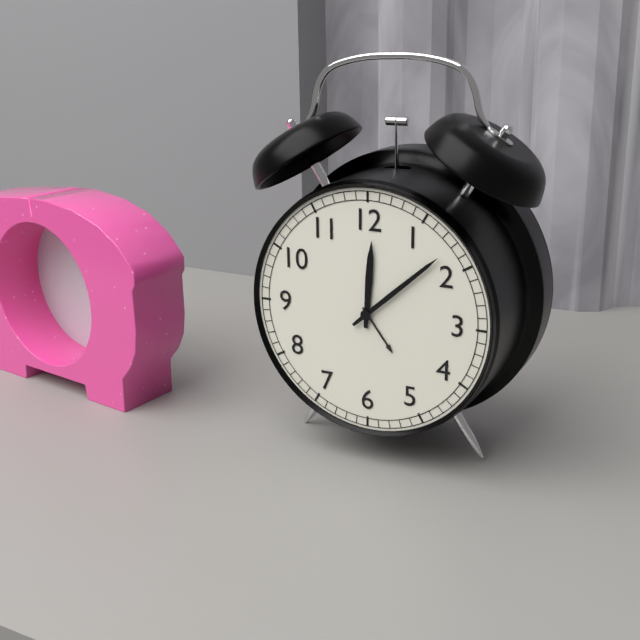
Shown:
12.08
